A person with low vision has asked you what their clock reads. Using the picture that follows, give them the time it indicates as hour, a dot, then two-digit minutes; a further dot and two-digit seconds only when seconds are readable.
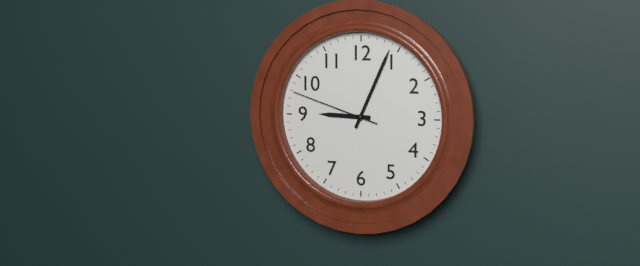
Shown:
9.04.48
